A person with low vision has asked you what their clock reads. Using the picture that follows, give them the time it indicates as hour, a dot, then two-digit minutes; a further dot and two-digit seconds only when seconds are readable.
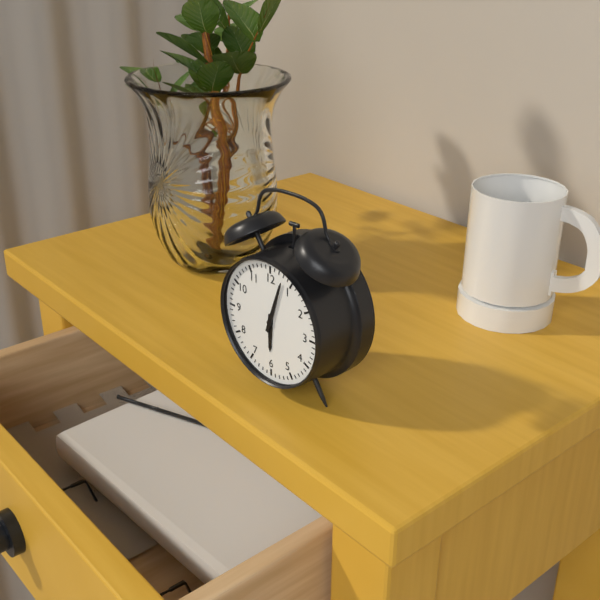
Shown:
6.03
